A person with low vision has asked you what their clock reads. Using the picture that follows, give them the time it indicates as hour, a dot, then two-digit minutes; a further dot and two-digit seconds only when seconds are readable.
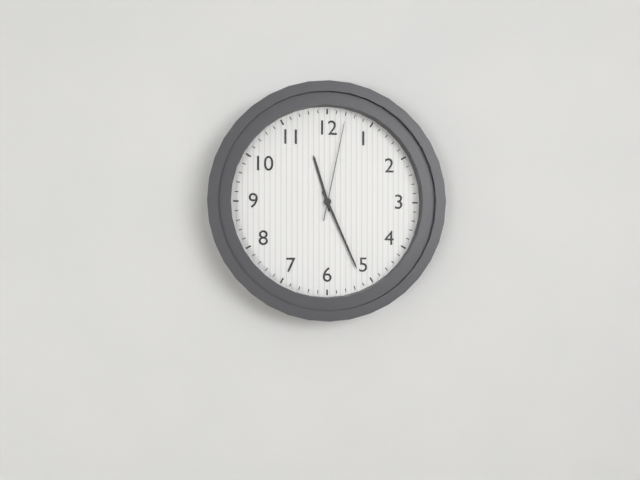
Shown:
11.26.02
